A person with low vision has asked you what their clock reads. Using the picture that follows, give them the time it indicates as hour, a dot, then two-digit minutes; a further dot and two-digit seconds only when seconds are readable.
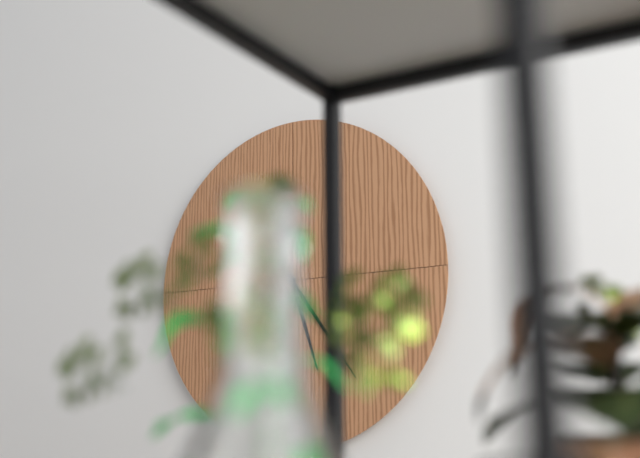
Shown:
5.24
